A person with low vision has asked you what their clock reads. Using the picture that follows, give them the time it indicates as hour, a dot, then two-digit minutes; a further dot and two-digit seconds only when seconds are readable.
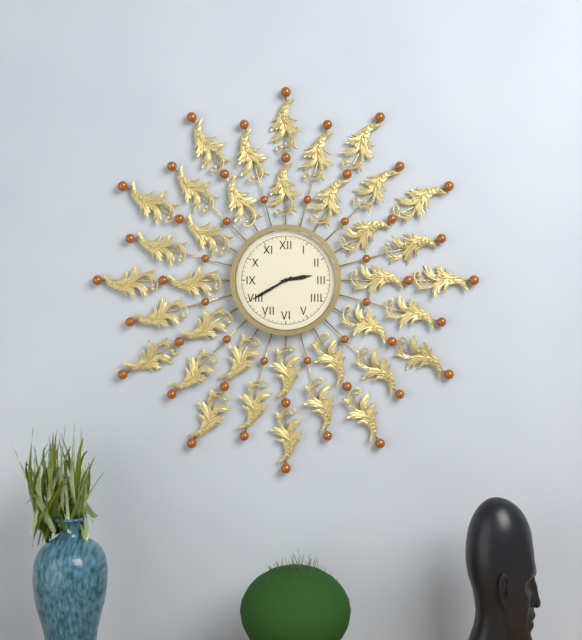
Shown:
2.40
